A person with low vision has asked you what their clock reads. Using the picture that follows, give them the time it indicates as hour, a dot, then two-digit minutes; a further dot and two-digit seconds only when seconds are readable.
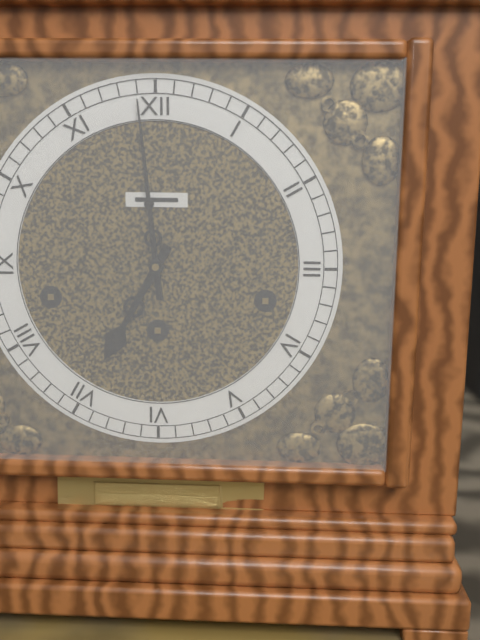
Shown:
6.59
